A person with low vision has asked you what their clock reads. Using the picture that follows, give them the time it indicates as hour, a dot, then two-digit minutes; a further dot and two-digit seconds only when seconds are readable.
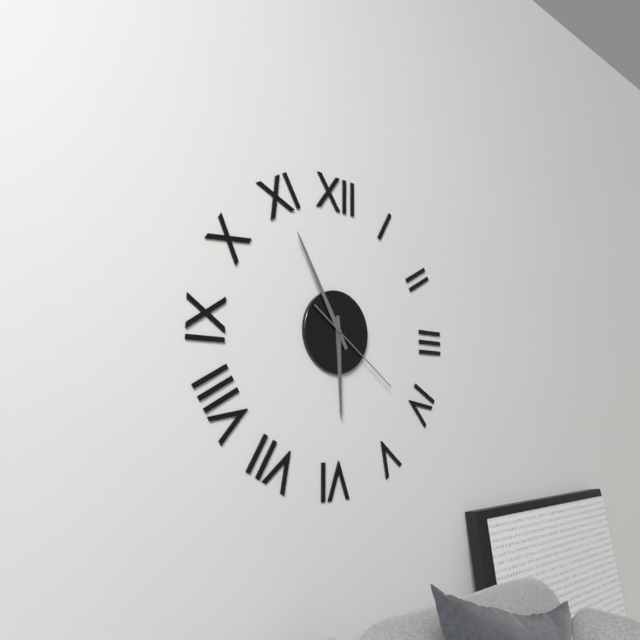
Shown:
5.55.21
